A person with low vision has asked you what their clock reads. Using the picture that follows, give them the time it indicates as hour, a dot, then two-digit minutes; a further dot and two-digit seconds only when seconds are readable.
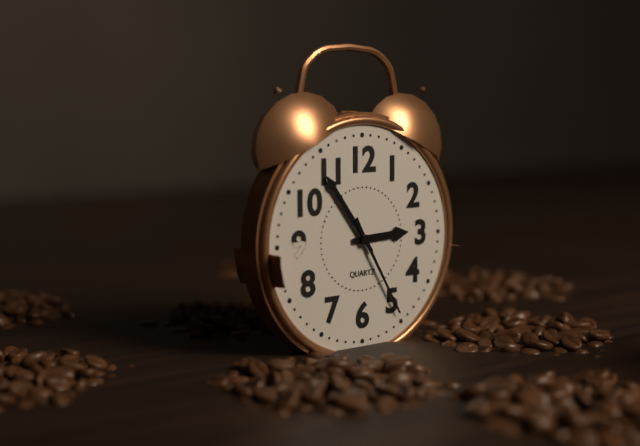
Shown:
2.54.25
